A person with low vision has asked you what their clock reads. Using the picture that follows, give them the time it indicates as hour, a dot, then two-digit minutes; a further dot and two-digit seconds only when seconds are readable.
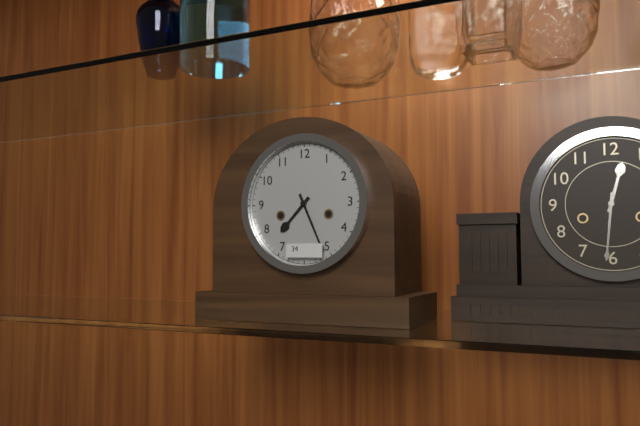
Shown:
7.26
